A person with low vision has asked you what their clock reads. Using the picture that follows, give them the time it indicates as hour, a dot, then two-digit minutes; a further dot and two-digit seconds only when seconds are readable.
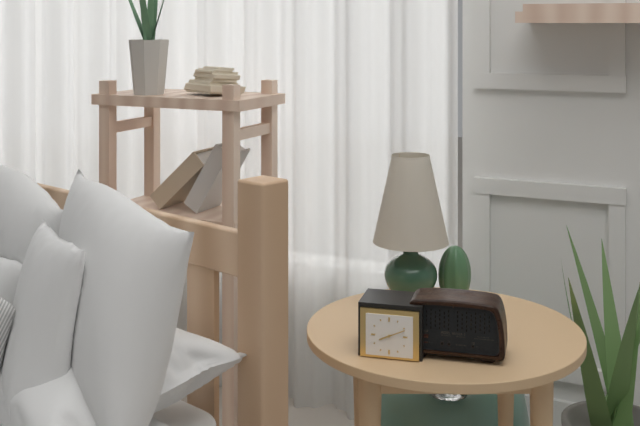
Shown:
8.11
